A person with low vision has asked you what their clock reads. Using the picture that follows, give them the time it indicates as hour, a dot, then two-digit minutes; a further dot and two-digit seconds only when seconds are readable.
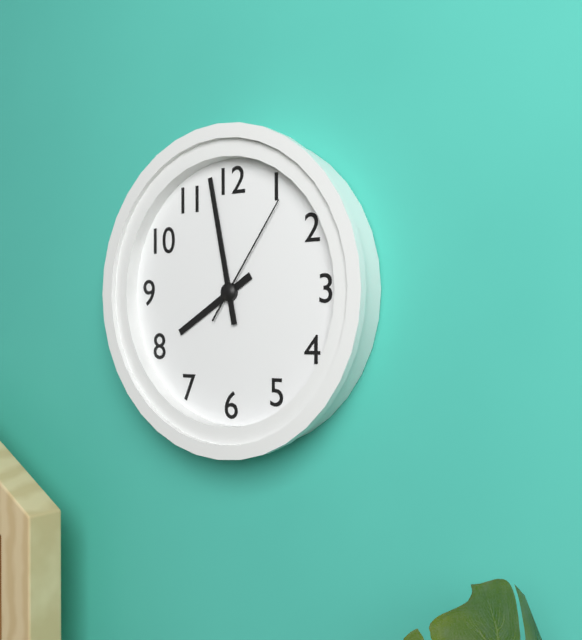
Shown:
7.58.06
